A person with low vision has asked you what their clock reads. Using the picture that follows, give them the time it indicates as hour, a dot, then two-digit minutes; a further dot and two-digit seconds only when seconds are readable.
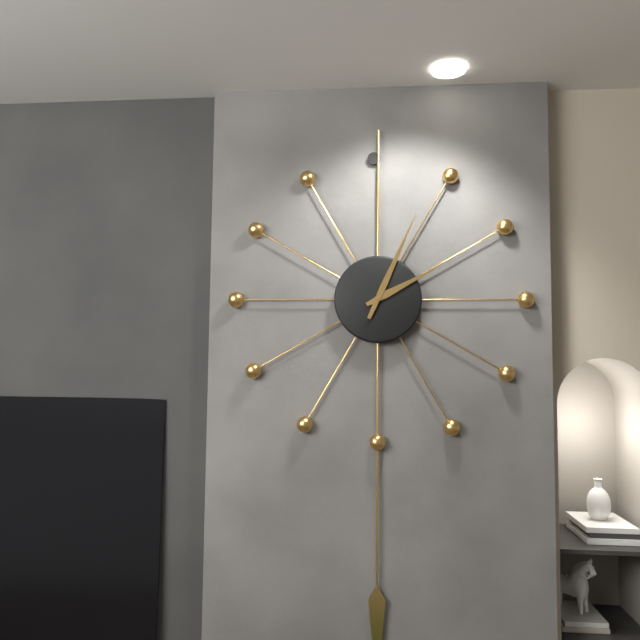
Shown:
2.04
